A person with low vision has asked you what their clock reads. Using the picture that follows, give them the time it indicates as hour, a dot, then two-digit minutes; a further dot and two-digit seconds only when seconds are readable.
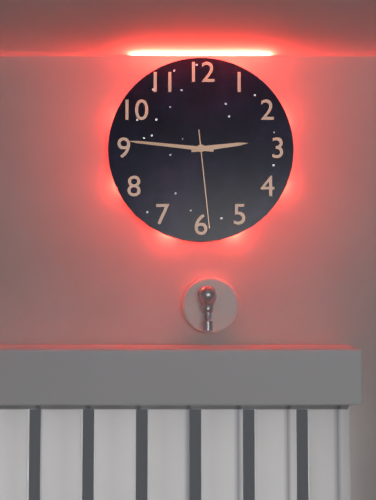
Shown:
2.46.29
